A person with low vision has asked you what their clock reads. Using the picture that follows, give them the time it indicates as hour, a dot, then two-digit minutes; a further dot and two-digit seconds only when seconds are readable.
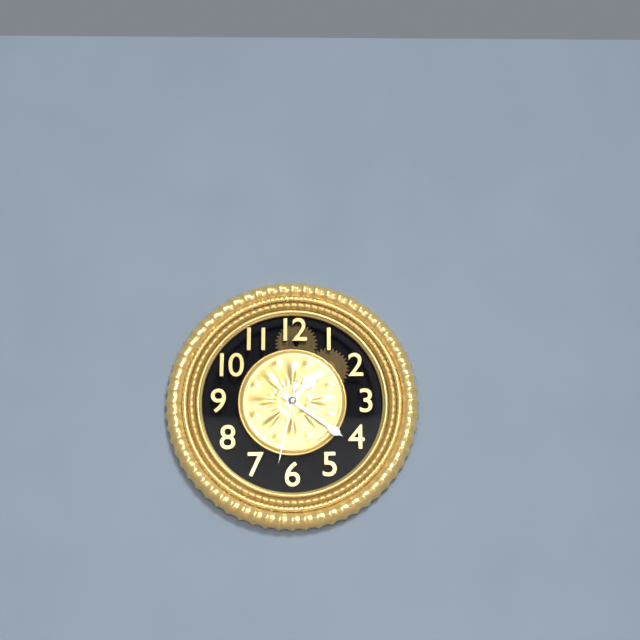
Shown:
1.21.32
